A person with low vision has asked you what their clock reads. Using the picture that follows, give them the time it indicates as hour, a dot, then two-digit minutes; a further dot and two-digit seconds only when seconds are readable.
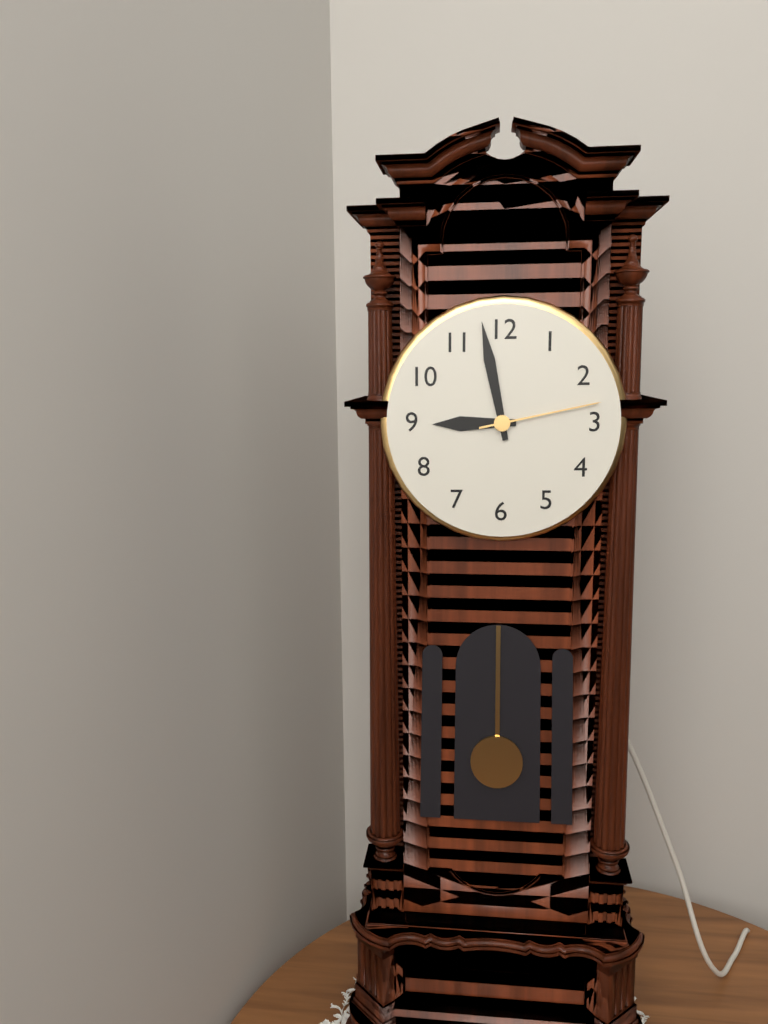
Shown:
8.58.13
